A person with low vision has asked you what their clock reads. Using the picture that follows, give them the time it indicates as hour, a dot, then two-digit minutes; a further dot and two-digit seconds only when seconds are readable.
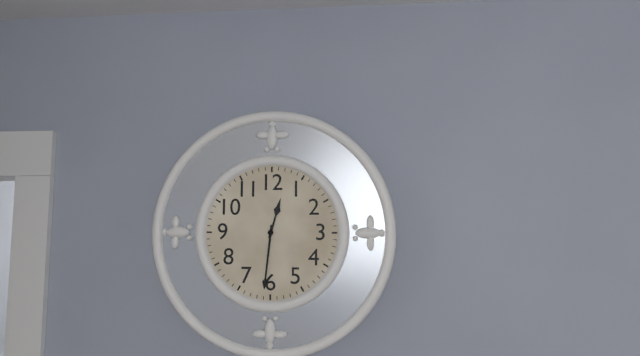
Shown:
12.31
